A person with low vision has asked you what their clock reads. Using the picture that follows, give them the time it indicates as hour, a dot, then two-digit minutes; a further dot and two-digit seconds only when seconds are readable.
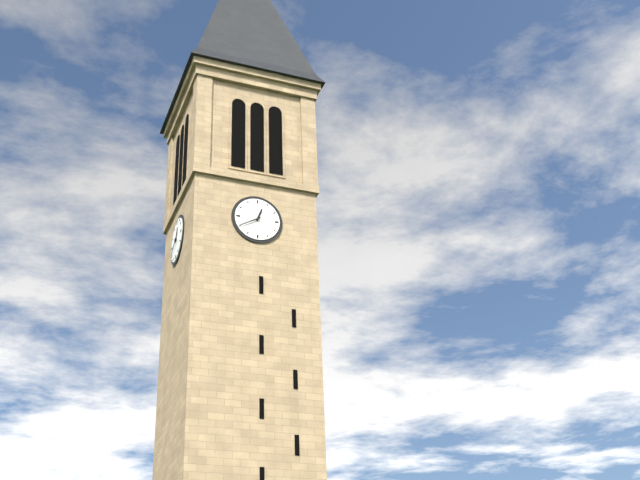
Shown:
12.40
